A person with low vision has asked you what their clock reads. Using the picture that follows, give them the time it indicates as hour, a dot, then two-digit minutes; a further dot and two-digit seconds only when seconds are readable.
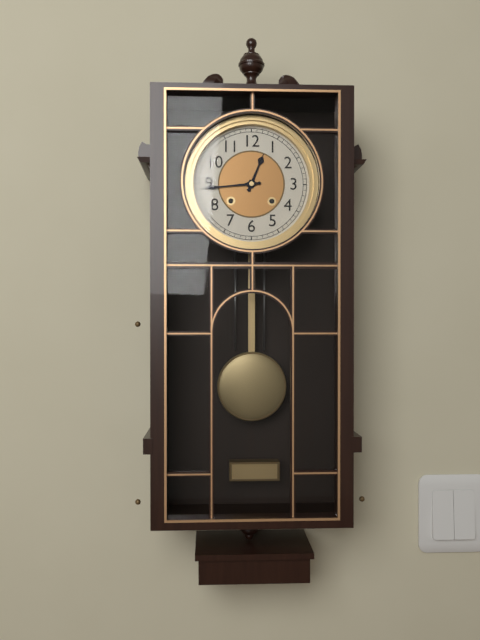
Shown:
12.44
